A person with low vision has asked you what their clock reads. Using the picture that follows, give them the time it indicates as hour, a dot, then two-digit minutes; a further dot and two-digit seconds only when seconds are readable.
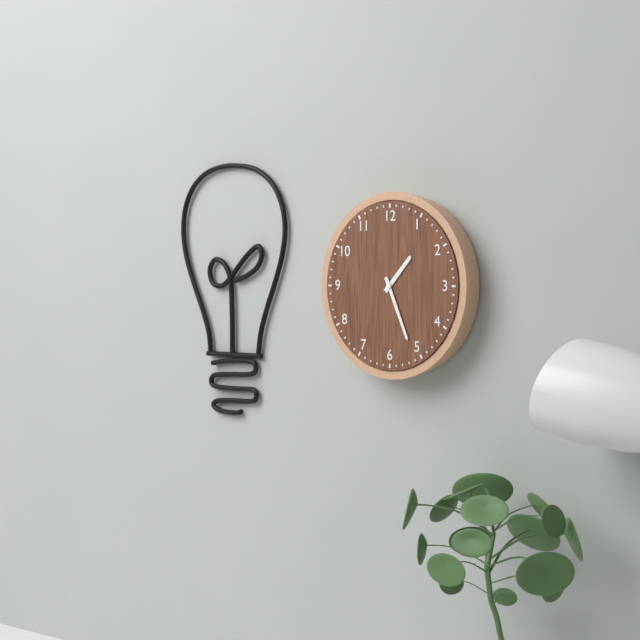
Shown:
1.26
